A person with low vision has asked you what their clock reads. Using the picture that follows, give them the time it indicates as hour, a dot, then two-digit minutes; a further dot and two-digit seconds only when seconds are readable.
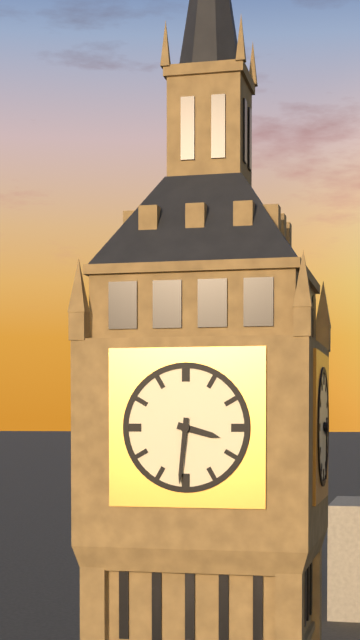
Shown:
3.31
